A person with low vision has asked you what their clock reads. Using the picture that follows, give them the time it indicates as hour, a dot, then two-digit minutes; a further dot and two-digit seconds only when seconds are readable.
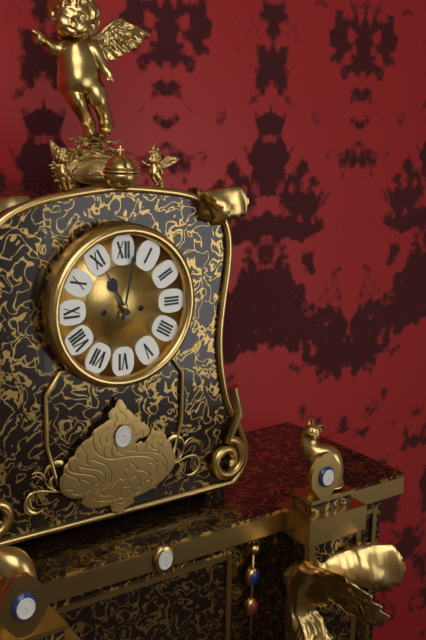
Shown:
11.02
